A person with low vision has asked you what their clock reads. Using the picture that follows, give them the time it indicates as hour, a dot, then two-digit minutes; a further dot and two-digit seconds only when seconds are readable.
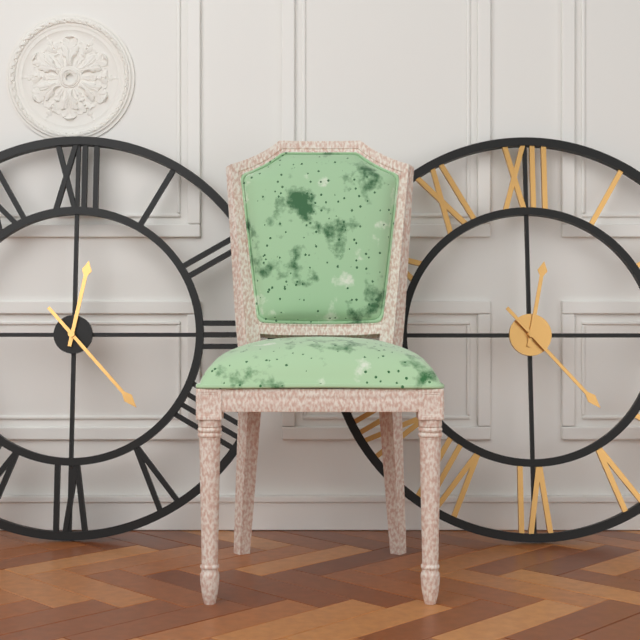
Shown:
12.23
